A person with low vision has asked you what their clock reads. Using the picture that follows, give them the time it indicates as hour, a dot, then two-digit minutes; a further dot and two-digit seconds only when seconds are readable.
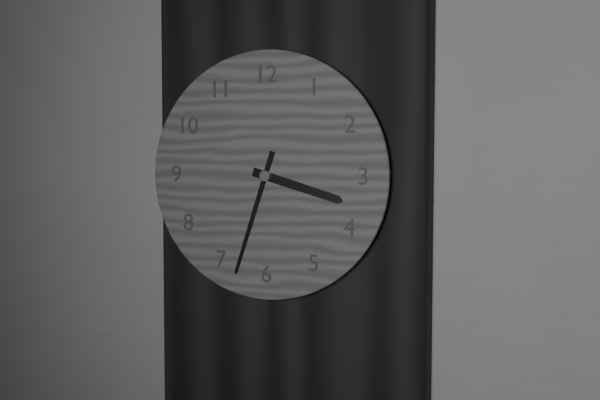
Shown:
3.33
